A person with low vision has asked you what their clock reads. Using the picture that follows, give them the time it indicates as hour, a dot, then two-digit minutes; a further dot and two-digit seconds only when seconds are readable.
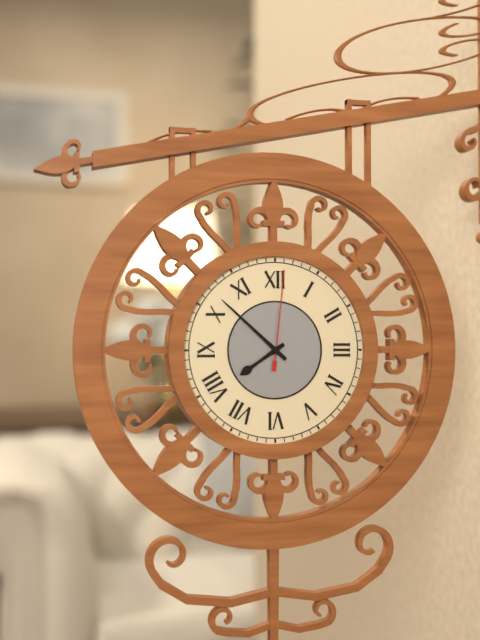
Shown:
7.52.01
